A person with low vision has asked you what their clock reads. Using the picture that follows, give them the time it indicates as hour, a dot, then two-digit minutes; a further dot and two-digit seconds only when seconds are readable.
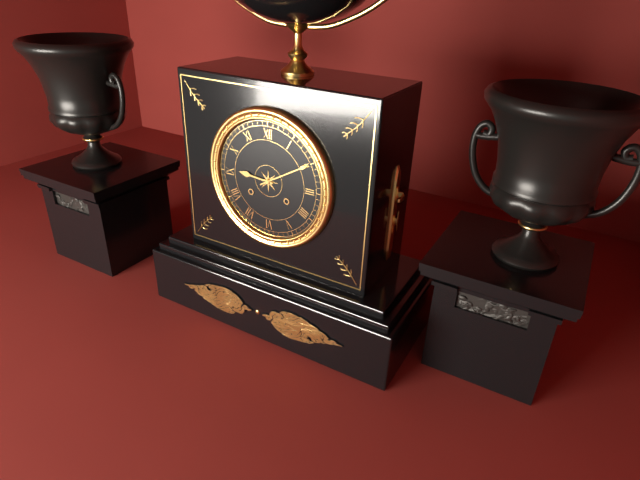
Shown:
9.10
